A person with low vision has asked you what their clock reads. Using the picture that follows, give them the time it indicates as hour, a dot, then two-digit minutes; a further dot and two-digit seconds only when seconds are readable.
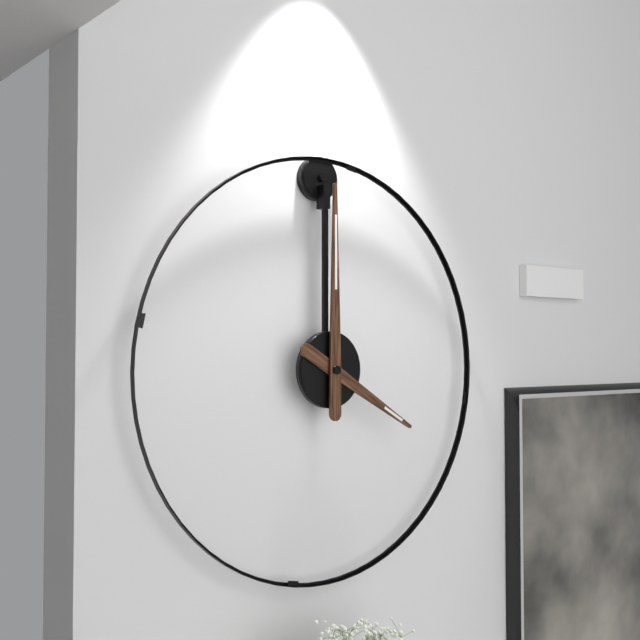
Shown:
4.00
